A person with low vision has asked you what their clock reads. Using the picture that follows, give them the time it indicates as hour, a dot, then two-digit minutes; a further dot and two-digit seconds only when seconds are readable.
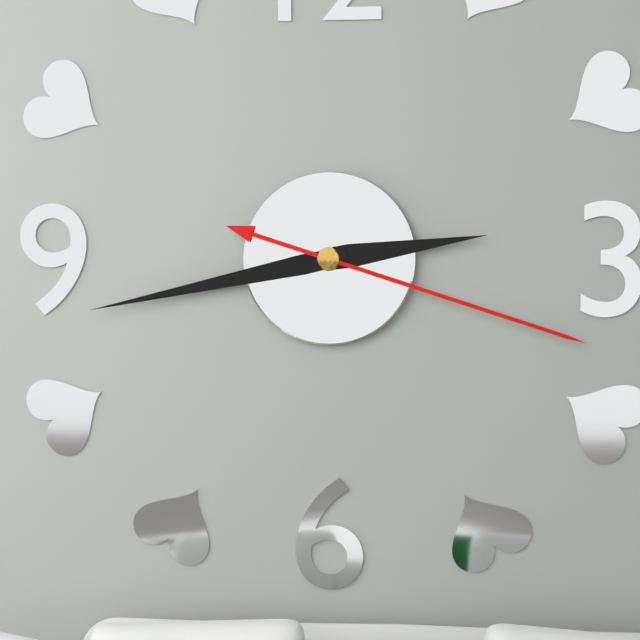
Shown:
2.43.18
